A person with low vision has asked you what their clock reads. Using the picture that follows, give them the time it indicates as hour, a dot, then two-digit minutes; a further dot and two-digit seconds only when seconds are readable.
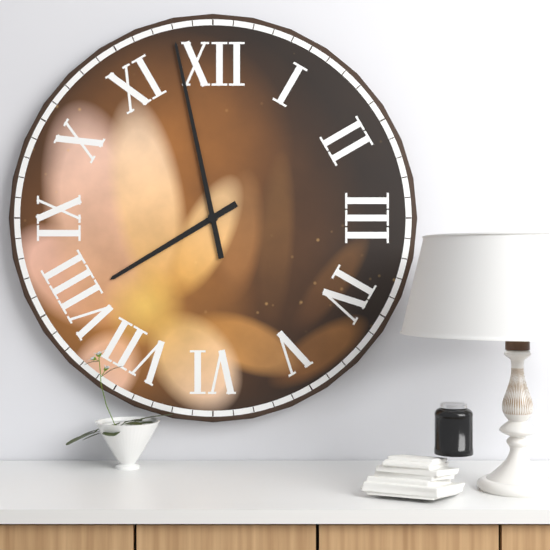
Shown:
7.58
